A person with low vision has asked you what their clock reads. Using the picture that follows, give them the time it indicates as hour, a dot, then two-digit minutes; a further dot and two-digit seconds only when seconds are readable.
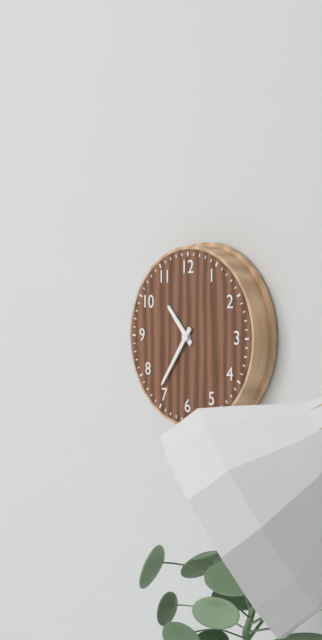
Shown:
10.36
